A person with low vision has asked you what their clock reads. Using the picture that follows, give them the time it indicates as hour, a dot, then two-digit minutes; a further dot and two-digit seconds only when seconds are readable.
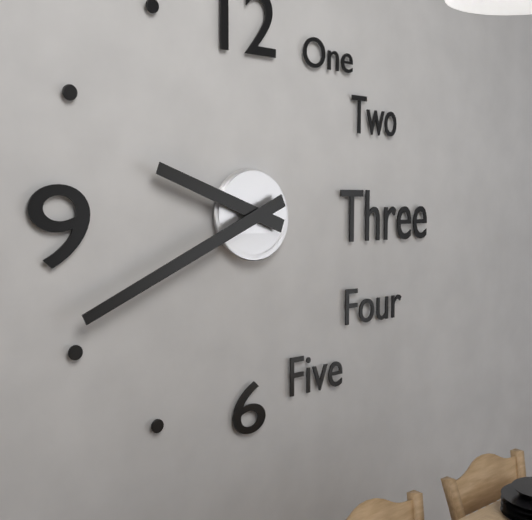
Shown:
9.41
